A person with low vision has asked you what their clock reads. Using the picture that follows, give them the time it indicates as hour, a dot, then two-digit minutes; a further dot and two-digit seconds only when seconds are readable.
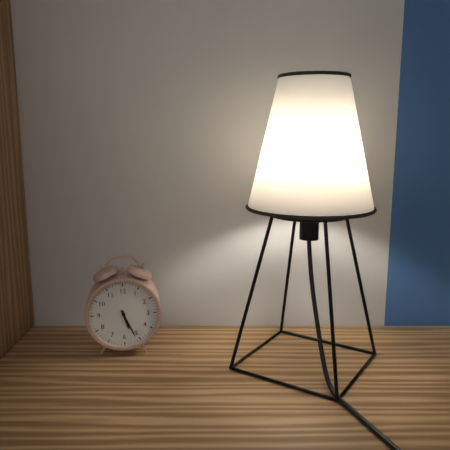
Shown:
5.26
